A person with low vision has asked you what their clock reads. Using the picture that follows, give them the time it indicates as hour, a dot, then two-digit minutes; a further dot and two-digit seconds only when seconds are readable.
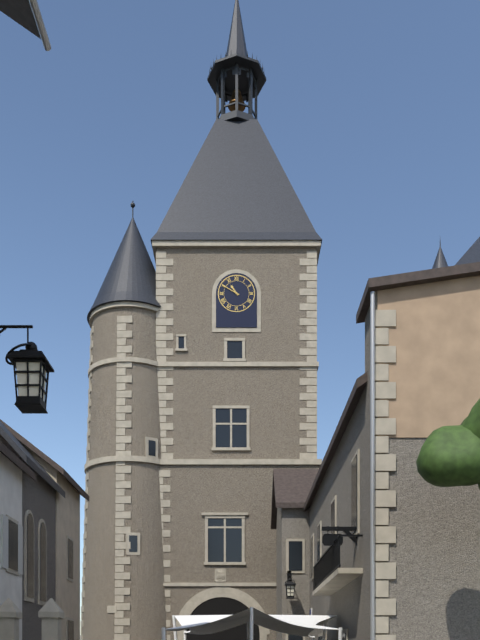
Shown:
10.50
